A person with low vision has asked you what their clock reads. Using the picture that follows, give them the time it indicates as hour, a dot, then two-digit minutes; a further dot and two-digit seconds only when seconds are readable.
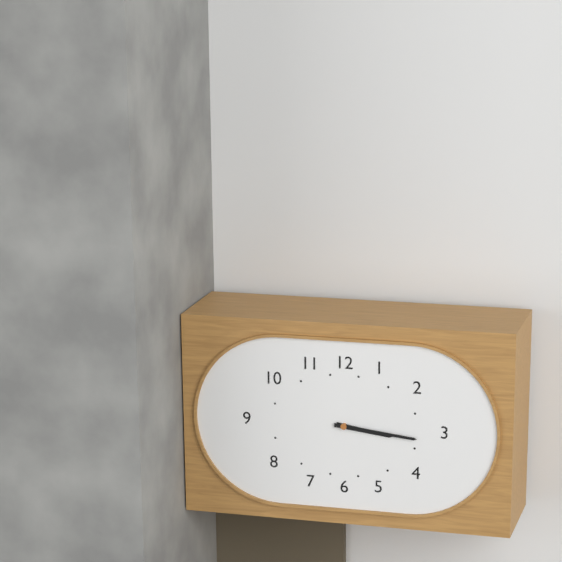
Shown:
3.16
